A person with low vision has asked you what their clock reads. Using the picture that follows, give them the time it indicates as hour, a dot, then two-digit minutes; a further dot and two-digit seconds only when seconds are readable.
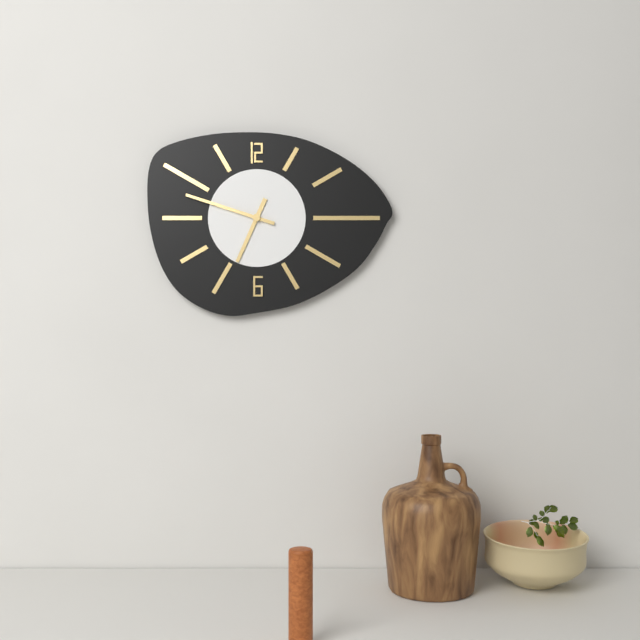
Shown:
6.48
